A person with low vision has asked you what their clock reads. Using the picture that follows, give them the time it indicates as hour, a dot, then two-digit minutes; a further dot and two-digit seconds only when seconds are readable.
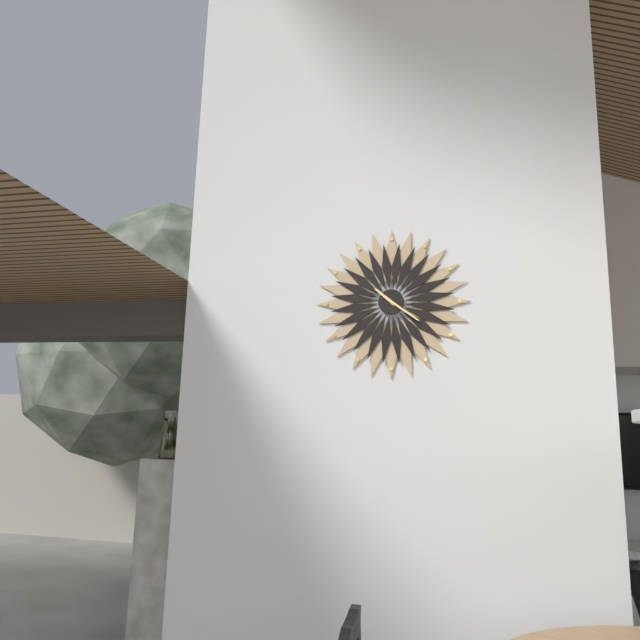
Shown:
10.21
